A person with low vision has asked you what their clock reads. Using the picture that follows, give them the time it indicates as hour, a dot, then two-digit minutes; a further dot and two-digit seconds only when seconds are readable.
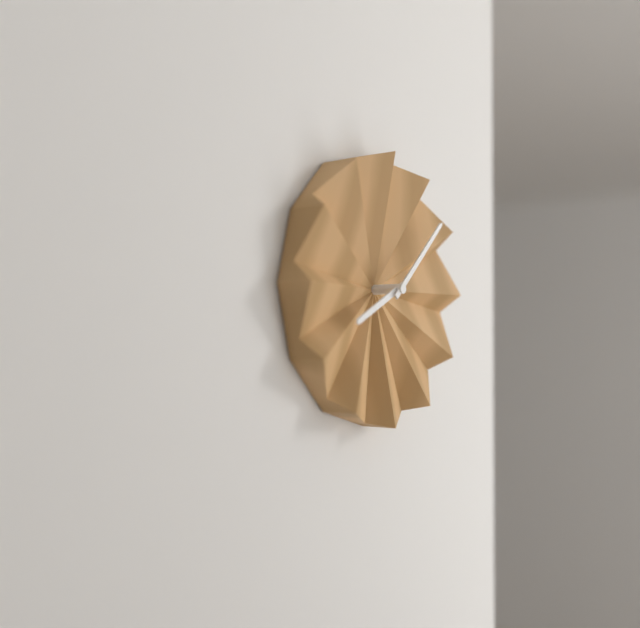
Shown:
8.08
